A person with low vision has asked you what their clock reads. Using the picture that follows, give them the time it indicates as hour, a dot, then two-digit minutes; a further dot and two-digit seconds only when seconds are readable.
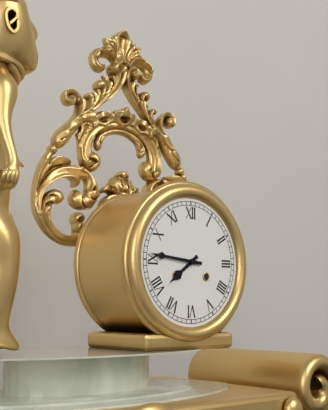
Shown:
7.46
